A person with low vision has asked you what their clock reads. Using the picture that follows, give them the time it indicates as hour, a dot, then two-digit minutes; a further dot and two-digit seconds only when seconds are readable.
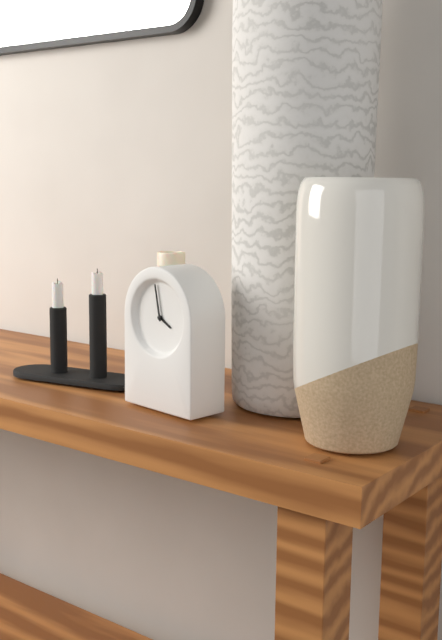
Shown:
3.58
